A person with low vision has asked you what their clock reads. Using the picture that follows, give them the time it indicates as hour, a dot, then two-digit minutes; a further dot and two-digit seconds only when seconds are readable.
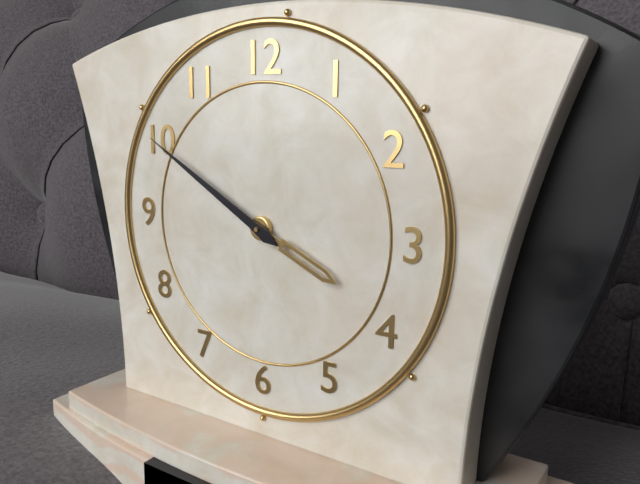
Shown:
3.50
